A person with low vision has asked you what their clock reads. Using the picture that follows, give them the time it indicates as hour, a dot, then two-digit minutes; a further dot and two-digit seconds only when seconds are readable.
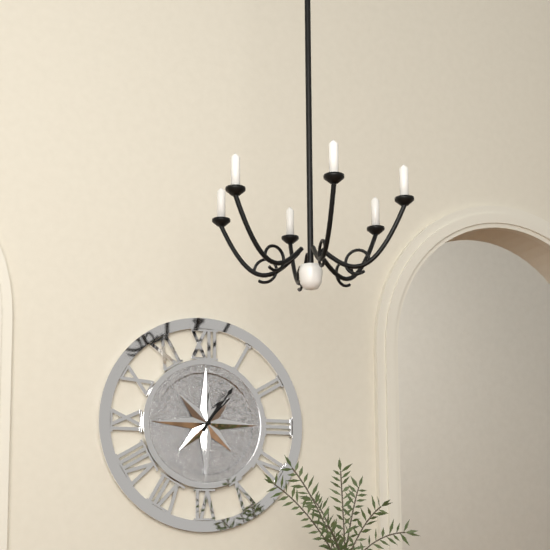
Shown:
1.06
